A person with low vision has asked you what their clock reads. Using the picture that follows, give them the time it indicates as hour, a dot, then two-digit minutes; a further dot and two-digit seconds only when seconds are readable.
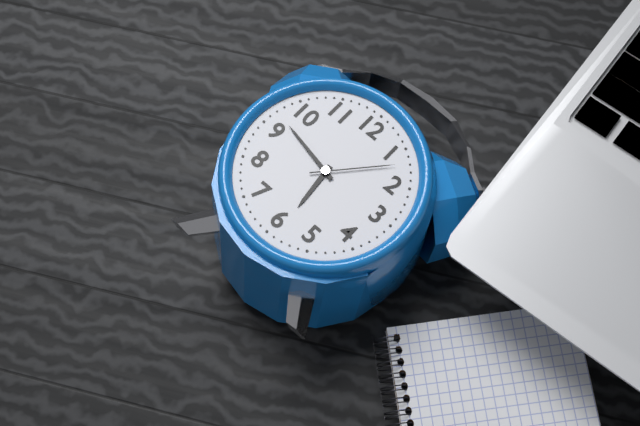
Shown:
5.47.07
